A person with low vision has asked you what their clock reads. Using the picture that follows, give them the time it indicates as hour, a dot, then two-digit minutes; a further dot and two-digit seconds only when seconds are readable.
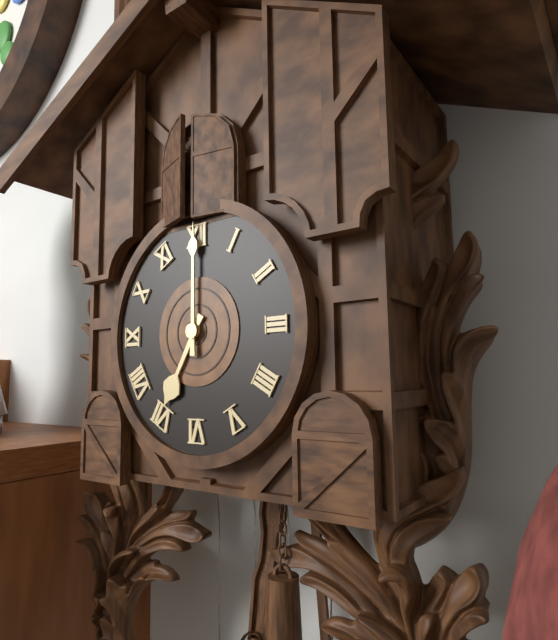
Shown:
7.00
